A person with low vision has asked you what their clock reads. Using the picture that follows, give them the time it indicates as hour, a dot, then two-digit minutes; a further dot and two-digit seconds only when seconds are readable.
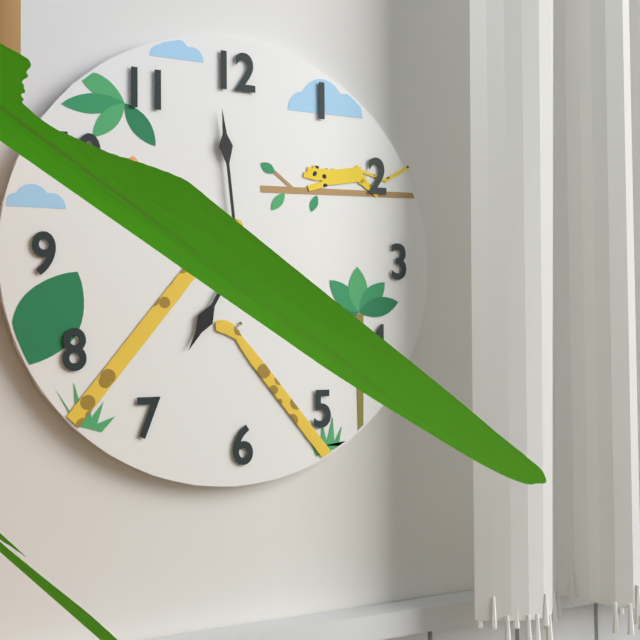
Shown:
6.59.21
